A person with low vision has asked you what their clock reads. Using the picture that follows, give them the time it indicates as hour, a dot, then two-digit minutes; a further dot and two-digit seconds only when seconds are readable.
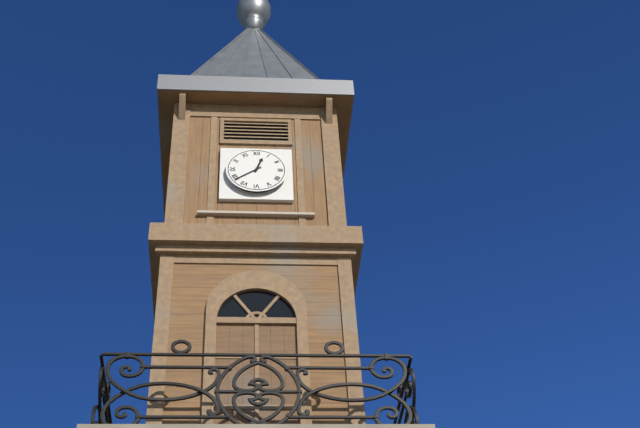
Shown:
12.39
